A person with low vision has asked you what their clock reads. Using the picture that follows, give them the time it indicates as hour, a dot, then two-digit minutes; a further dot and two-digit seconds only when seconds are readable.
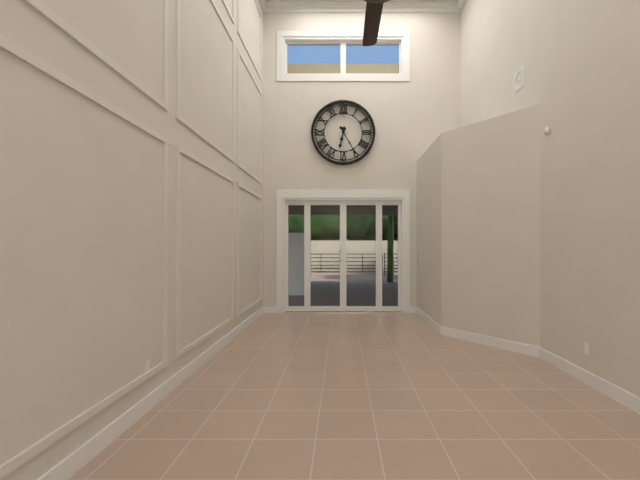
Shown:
6.25
